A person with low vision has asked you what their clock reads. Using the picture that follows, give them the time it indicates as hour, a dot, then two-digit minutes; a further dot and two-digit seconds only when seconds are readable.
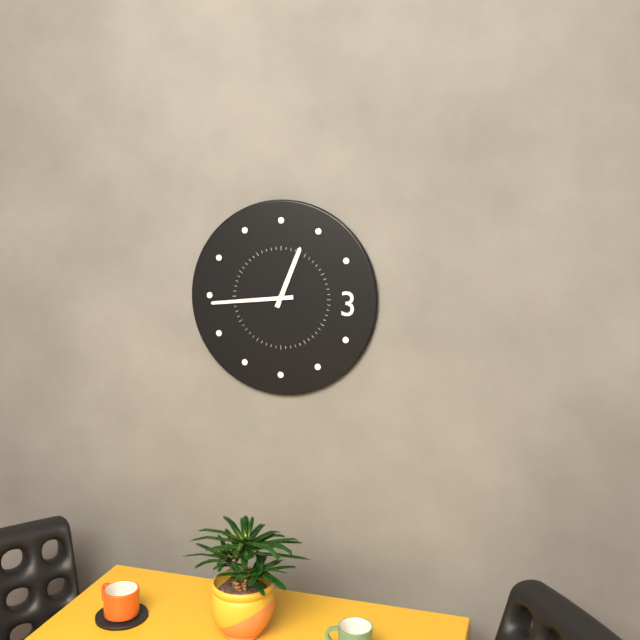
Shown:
12.44
